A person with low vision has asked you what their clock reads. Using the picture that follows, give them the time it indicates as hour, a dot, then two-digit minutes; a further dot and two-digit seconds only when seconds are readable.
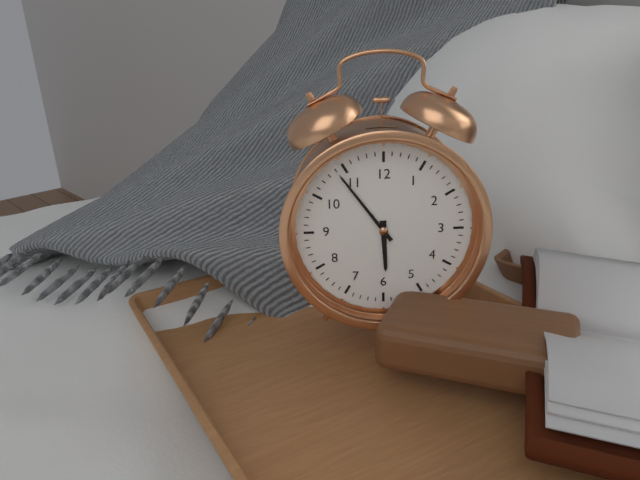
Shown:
5.54
